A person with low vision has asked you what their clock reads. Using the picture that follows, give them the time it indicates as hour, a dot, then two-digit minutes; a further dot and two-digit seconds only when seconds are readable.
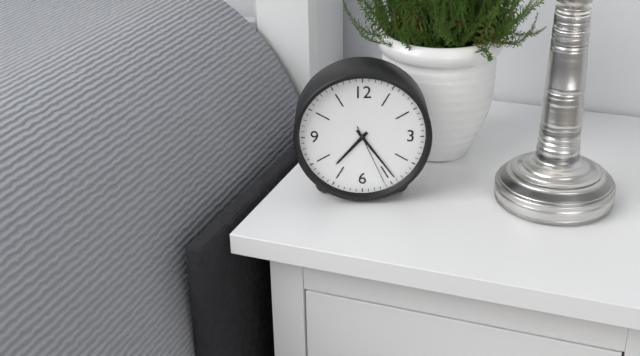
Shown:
7.24.26
